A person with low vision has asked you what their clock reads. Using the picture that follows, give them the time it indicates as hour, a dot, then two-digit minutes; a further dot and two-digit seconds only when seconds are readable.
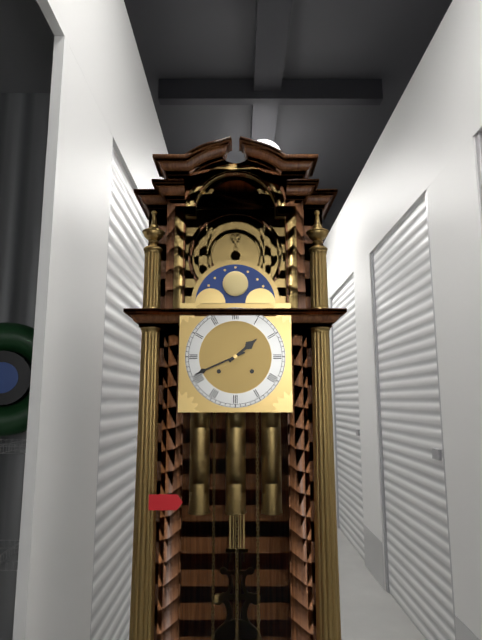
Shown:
1.41
